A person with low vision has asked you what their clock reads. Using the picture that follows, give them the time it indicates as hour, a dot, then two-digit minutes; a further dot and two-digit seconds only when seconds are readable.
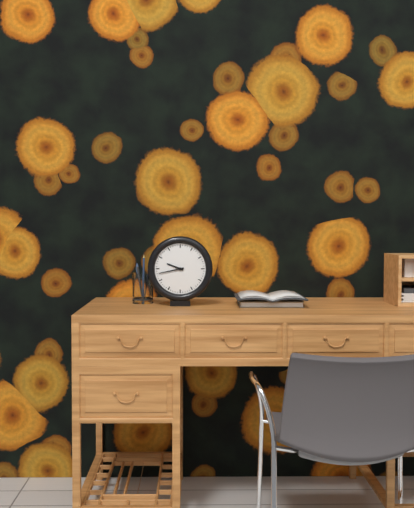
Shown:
9.43
